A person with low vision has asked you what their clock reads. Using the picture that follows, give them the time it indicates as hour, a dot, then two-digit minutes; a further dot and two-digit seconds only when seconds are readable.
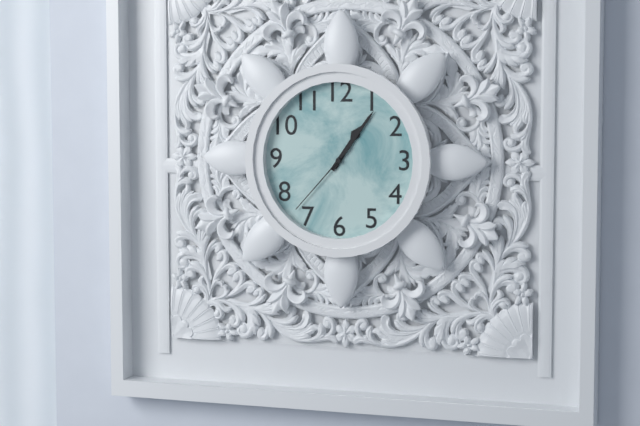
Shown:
1.06.37
